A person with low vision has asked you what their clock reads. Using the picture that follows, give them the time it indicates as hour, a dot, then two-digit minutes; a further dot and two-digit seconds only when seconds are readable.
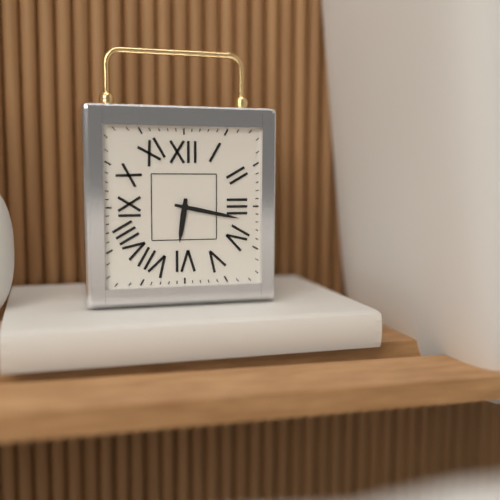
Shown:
6.17
